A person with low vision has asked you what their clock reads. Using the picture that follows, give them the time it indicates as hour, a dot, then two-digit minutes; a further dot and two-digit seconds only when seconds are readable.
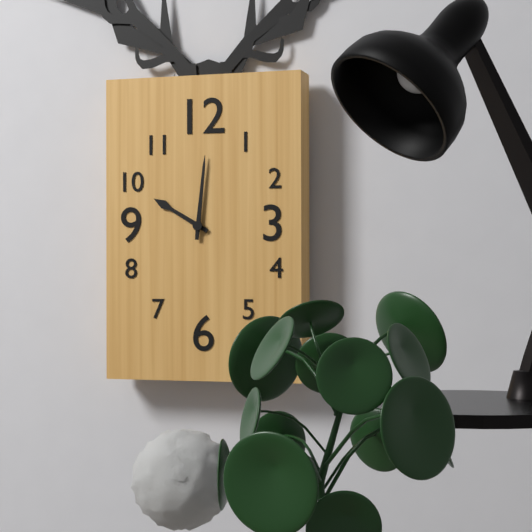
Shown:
10.01
